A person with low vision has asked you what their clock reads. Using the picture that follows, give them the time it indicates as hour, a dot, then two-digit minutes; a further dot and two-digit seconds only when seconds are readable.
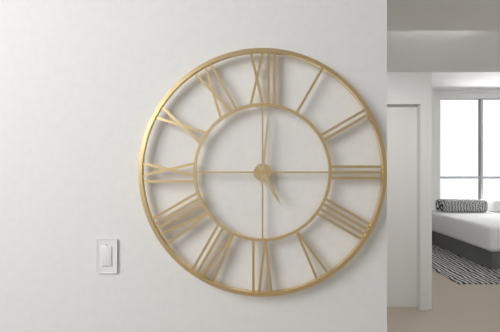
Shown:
5.01
